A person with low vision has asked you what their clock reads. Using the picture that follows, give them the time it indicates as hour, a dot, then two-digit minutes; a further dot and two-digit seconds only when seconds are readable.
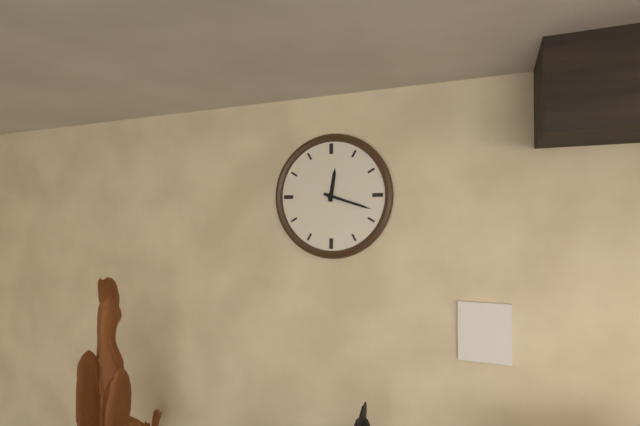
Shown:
12.18
